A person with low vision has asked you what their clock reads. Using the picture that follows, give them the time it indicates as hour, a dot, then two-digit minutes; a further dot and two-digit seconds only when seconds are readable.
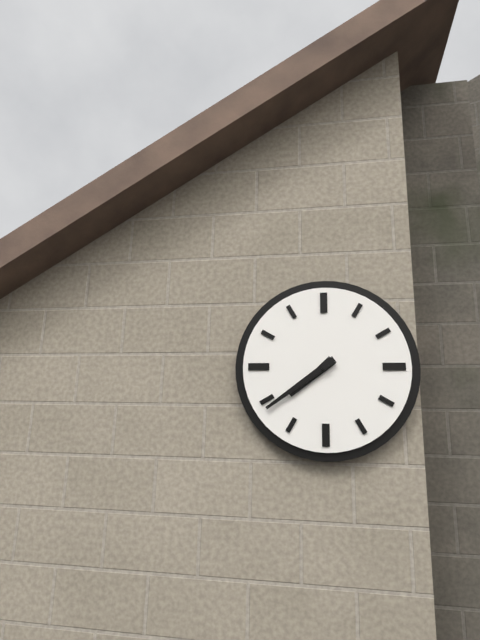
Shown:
7.39
